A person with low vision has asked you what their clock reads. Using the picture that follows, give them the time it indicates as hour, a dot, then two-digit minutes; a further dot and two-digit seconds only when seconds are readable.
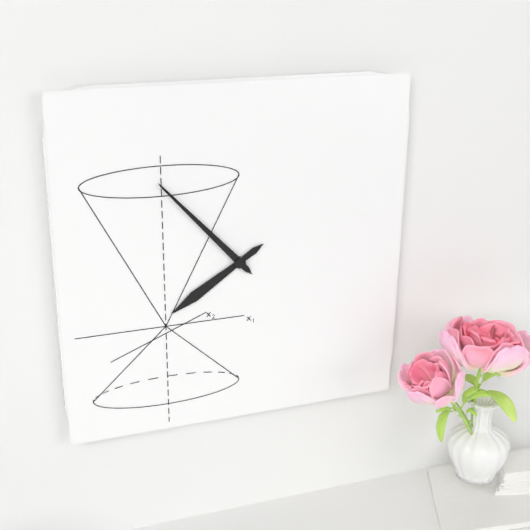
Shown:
7.53
